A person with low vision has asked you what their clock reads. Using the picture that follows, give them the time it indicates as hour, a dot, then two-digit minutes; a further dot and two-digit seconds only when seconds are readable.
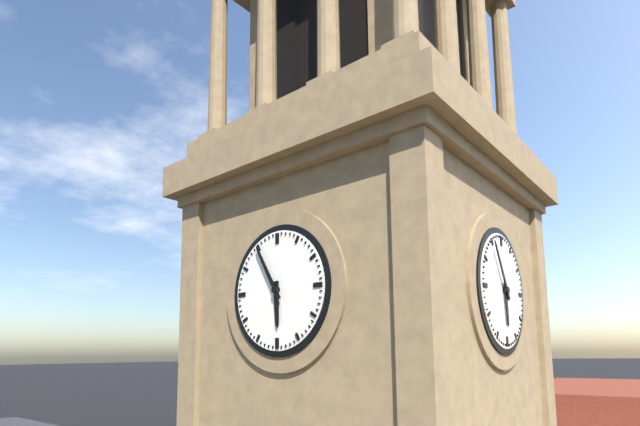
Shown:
5.55
